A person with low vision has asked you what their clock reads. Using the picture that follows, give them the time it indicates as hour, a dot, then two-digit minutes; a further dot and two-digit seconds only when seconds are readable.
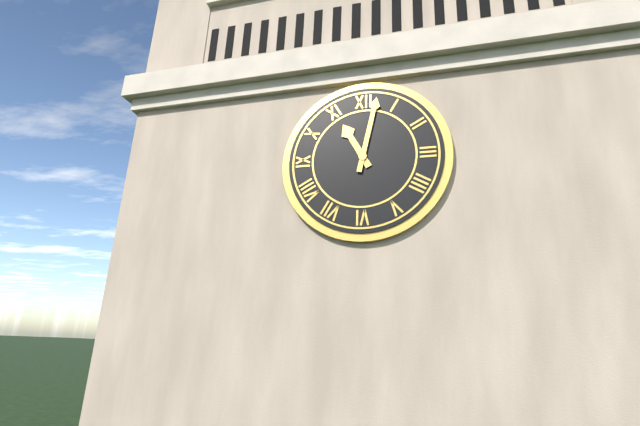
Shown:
11.02
